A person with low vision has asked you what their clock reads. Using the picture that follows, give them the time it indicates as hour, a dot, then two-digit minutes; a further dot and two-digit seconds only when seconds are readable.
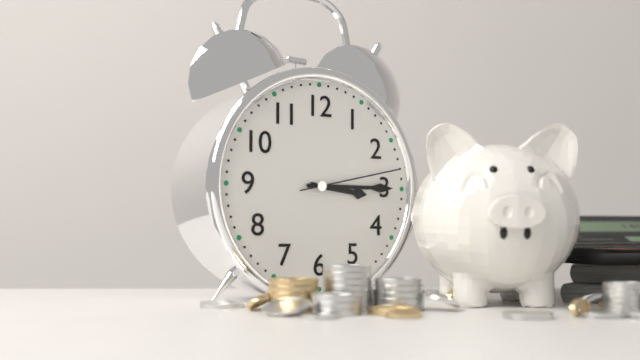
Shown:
3.15.13
